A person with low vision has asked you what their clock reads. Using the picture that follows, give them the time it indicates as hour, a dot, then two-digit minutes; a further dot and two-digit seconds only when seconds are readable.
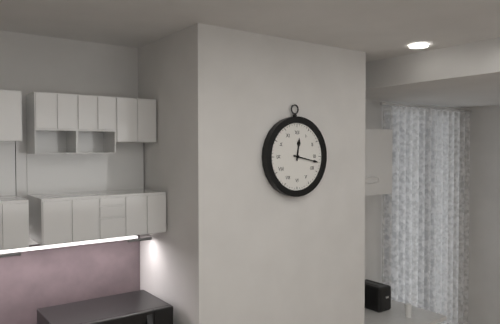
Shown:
12.17
